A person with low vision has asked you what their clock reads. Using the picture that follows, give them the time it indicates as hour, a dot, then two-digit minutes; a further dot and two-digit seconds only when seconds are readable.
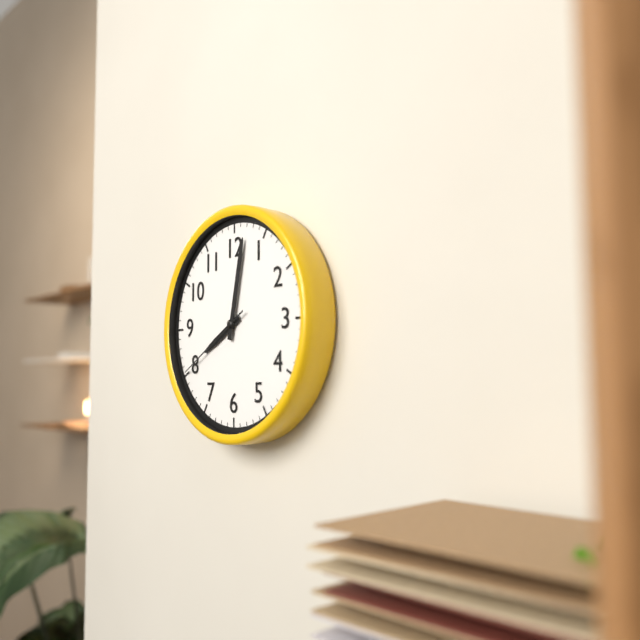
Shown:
8.02.40
